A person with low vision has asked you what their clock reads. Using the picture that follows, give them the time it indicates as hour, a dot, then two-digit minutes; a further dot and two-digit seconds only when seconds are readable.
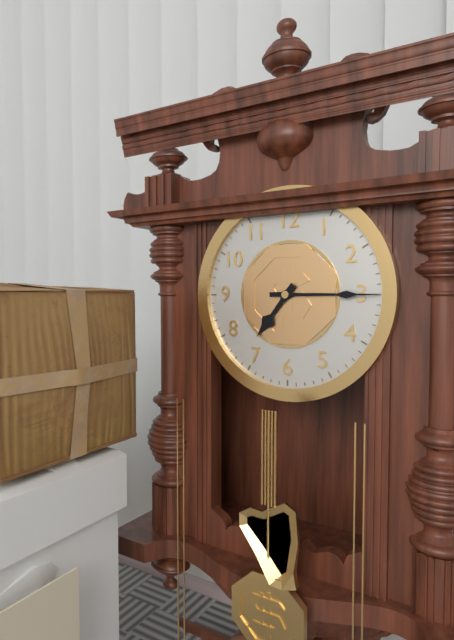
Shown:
7.15
